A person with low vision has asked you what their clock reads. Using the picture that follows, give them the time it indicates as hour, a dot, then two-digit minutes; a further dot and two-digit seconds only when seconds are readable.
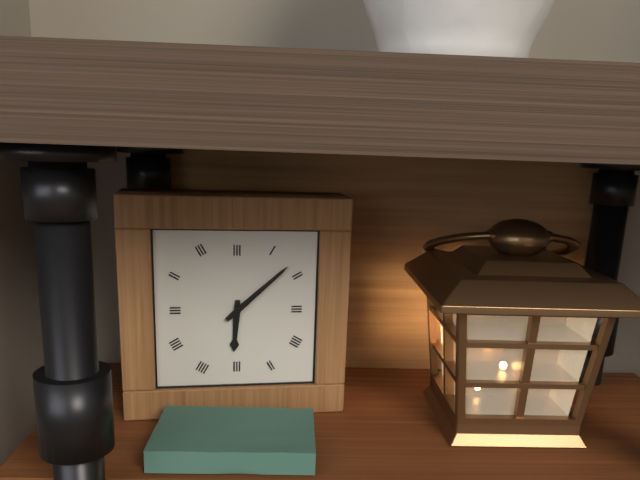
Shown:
6.08
